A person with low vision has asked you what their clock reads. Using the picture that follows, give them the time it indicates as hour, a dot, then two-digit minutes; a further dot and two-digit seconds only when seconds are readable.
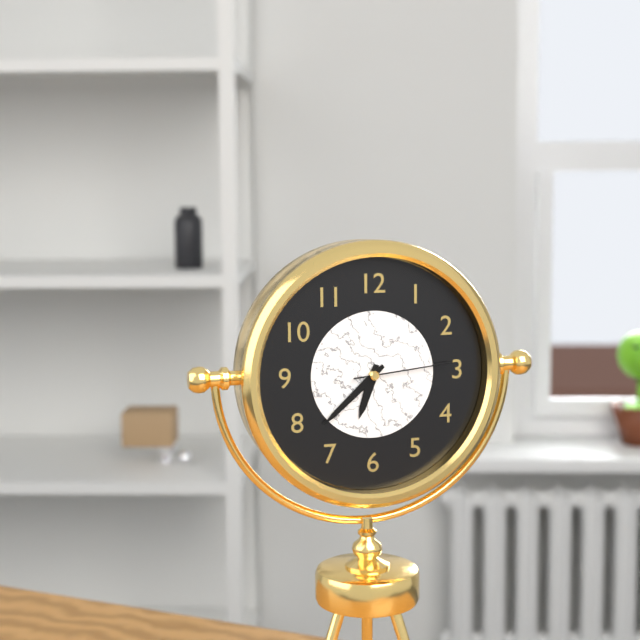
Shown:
6.38.14
